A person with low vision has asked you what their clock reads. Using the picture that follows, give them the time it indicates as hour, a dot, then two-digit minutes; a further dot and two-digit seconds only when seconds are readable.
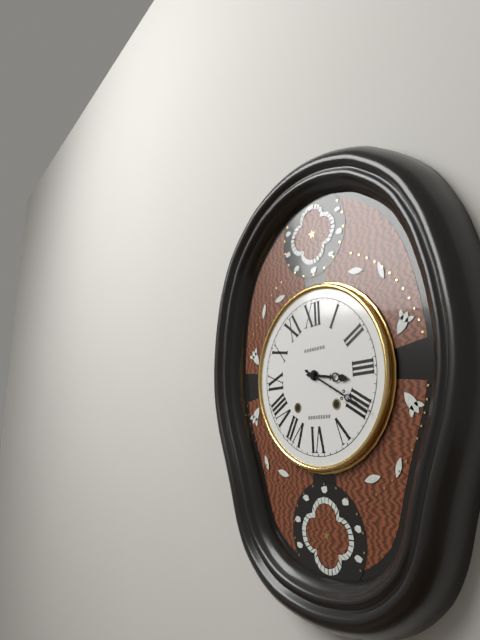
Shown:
3.20
